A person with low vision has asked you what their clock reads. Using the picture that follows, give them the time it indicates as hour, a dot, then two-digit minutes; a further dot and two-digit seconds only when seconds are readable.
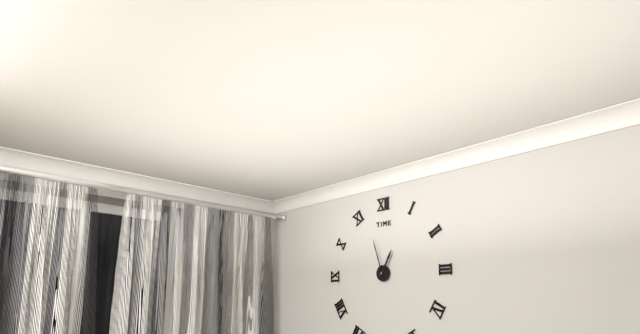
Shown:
12.57
